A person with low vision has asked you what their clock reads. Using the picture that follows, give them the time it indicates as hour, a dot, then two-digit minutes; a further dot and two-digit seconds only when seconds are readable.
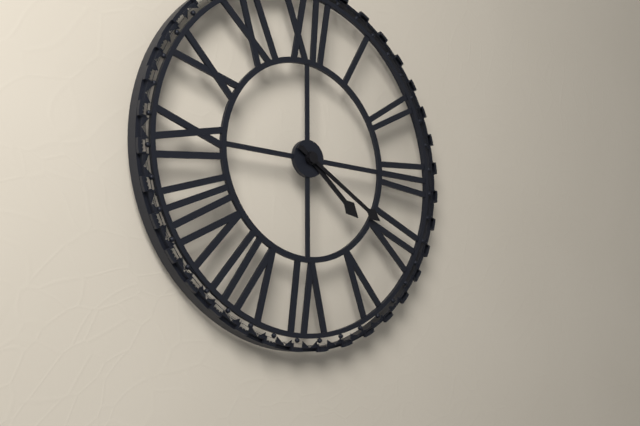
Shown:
4.20
